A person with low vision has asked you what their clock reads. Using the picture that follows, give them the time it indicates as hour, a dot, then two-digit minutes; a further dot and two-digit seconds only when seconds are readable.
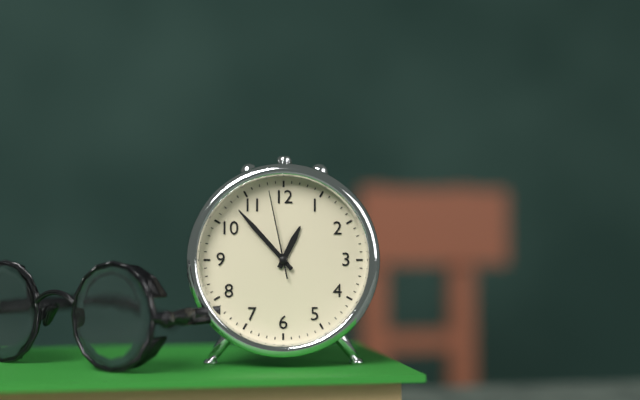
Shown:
12.53.58
